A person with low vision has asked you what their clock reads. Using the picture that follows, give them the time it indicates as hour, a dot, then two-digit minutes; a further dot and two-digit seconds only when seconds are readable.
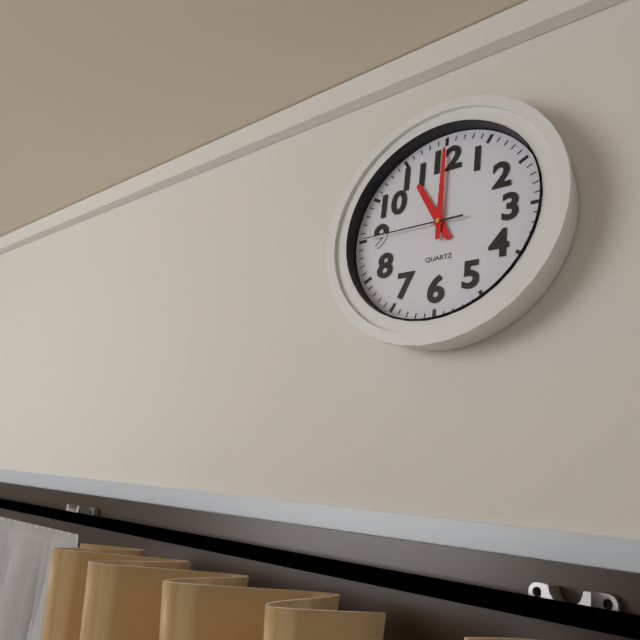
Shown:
11.00.45
